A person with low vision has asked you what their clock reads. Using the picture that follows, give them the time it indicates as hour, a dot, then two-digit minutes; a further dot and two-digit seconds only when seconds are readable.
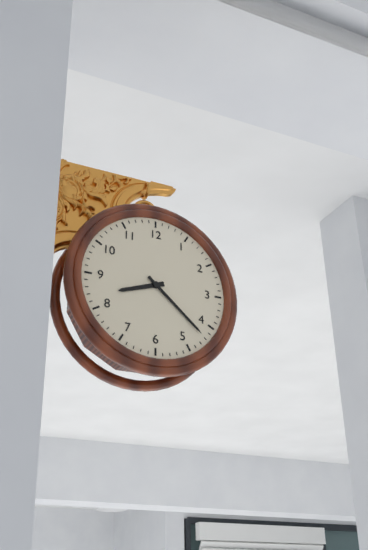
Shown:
8.22
